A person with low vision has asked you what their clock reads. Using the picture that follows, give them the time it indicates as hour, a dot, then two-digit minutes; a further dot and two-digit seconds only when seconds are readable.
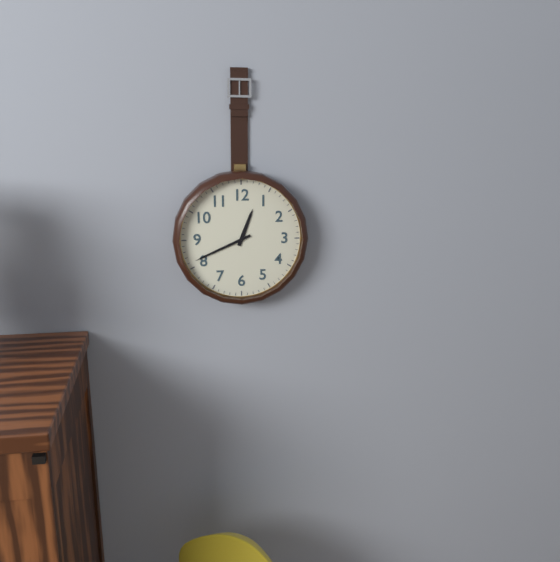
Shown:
12.41
